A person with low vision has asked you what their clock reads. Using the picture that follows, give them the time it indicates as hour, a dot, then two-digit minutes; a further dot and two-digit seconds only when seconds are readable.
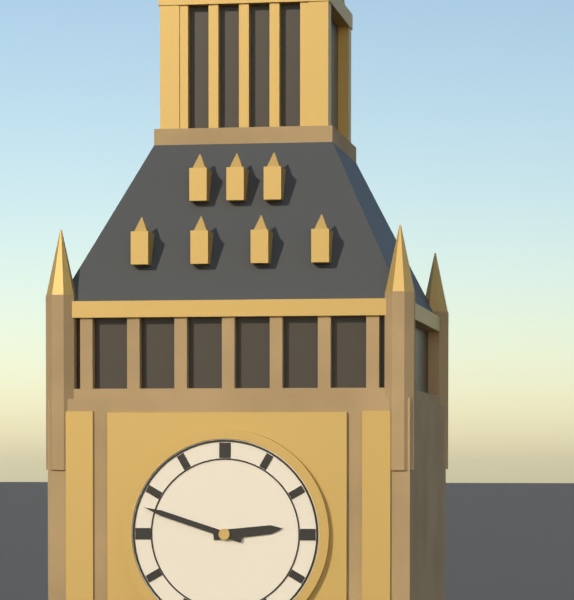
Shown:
2.48
